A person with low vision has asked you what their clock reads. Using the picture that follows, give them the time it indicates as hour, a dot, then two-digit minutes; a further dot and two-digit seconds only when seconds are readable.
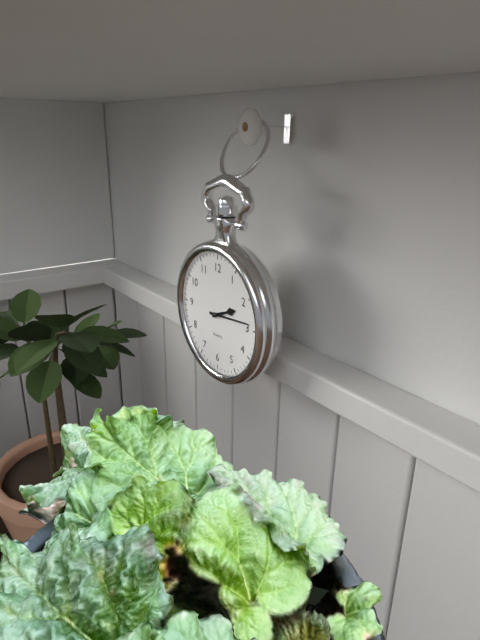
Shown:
2.14
